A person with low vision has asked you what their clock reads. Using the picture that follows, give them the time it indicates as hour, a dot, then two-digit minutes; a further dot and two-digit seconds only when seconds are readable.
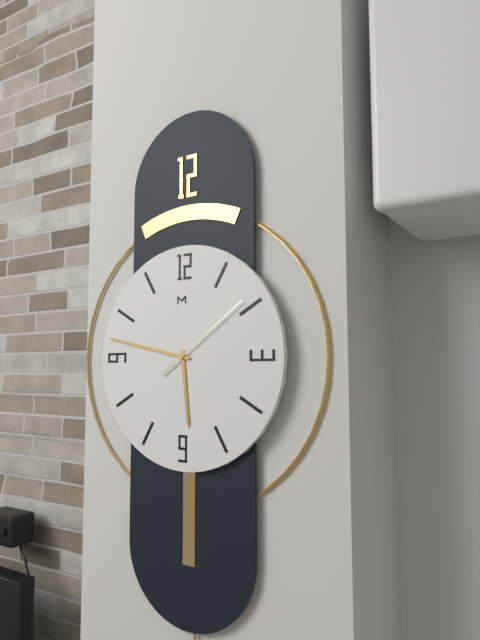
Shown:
5.47.09
